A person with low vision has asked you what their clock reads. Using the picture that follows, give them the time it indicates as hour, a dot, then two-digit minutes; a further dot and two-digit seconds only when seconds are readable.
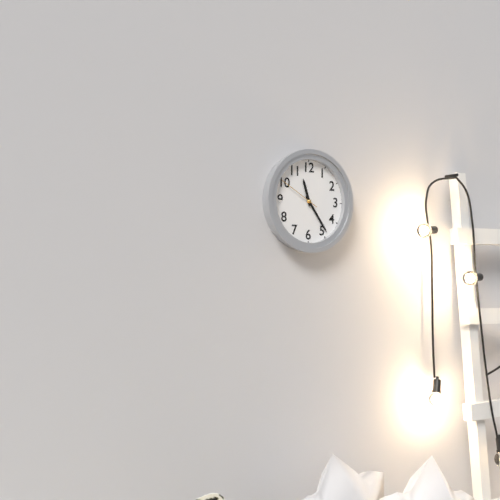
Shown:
11.24
